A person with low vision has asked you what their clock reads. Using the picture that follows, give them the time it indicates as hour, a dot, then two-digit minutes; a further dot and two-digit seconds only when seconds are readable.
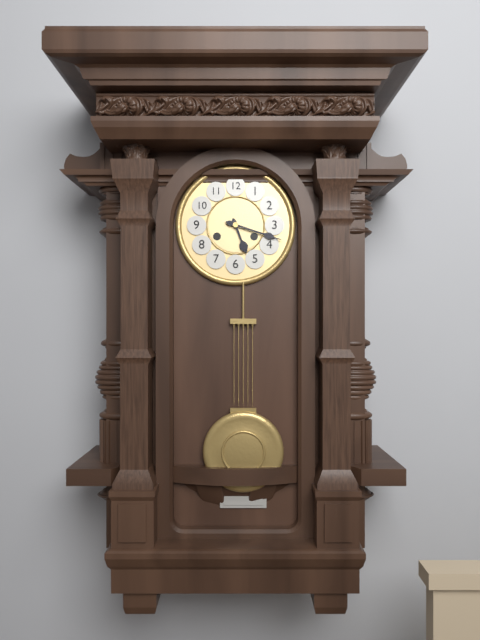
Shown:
5.18
